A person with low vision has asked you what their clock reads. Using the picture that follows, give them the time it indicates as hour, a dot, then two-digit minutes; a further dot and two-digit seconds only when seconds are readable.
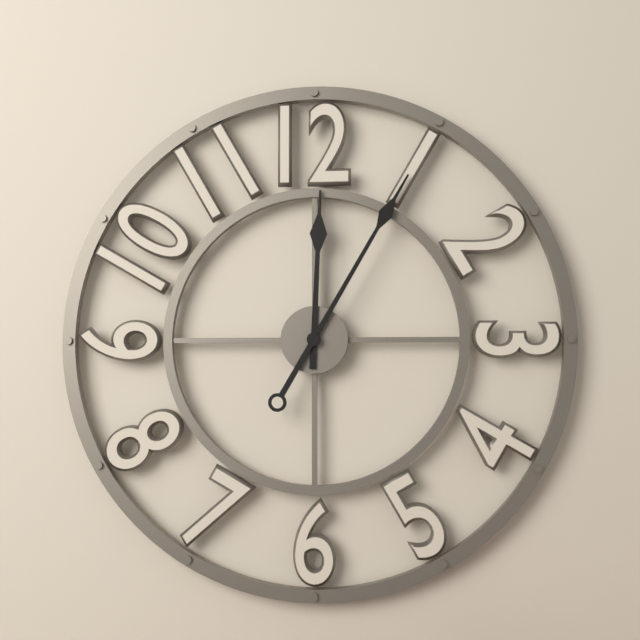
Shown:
12.05
